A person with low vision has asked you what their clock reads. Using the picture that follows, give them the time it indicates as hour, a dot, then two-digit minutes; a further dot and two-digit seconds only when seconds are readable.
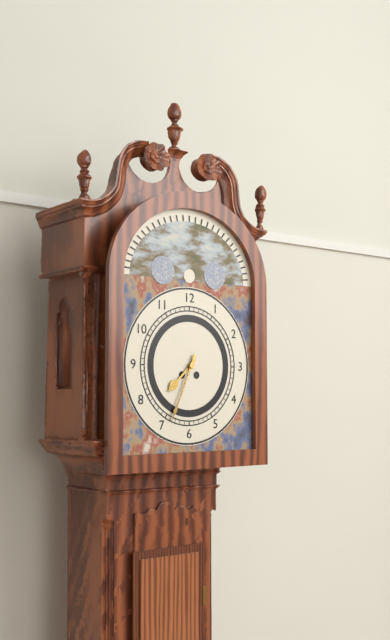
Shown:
7.34
